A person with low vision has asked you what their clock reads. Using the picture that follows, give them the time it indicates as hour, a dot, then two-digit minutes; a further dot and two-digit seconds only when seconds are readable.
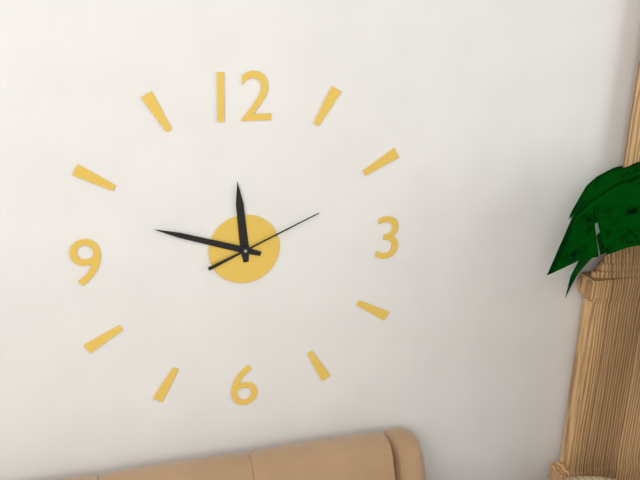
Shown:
11.48.11
